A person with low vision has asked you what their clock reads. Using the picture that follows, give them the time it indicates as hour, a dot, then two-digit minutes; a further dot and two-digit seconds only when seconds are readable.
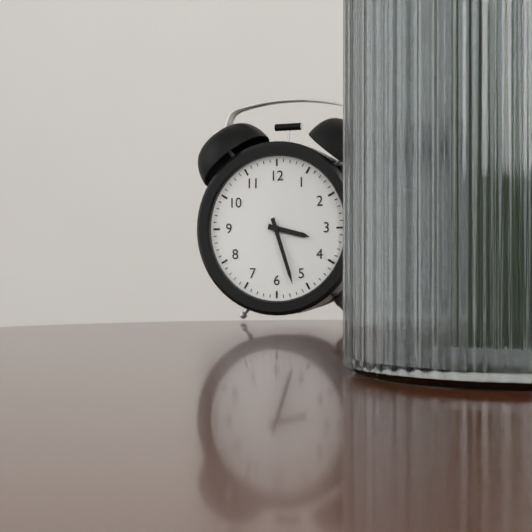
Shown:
3.27
